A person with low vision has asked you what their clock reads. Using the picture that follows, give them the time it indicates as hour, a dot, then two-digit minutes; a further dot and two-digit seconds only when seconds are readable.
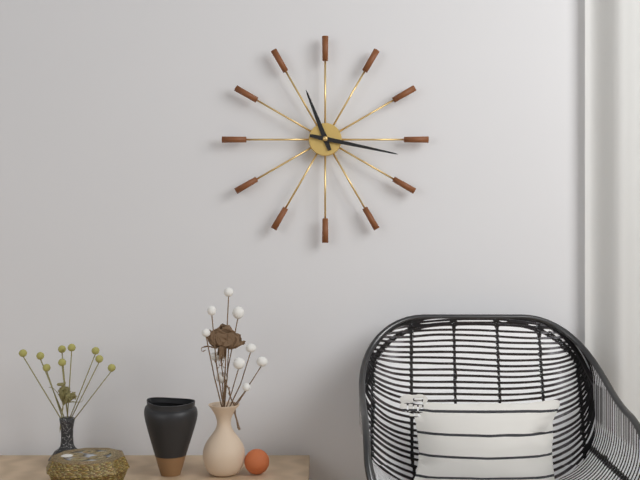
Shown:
11.17
